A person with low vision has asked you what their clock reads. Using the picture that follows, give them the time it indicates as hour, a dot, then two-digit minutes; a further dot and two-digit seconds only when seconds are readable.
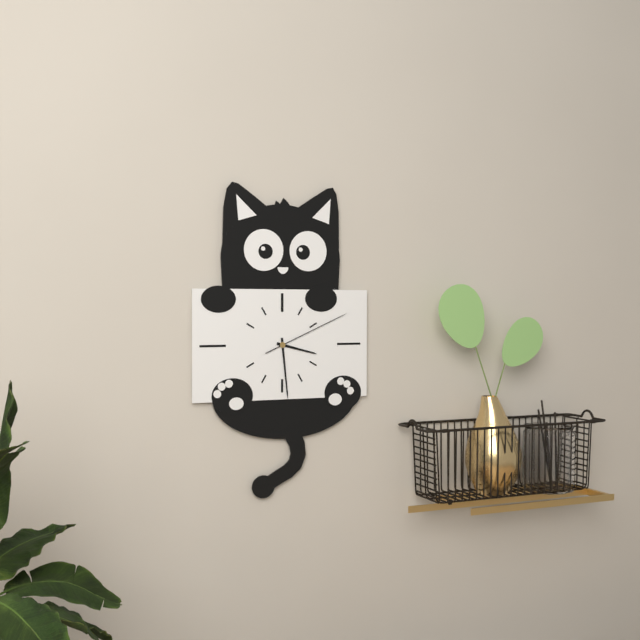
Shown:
3.29.11
